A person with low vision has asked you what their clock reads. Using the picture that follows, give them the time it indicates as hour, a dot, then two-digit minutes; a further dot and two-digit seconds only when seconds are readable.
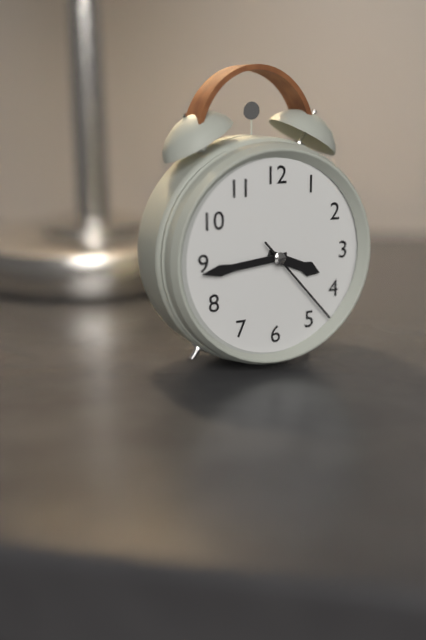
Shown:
3.44.23
